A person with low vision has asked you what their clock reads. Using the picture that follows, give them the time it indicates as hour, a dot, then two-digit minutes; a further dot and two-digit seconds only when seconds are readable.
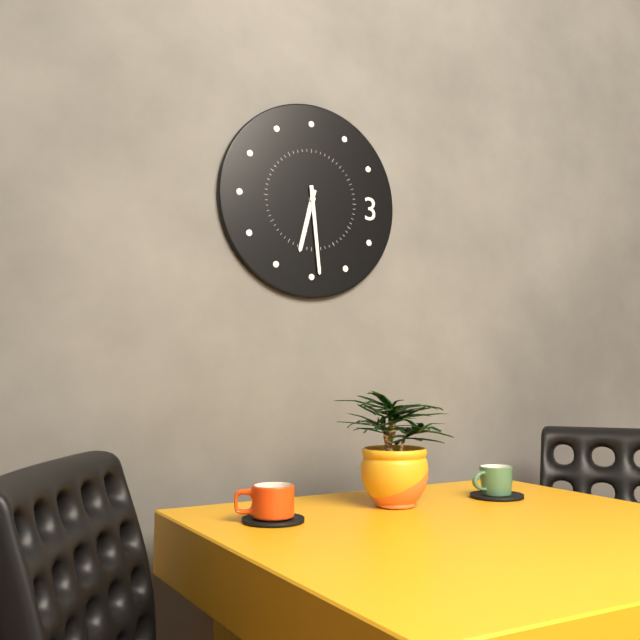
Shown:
6.29
